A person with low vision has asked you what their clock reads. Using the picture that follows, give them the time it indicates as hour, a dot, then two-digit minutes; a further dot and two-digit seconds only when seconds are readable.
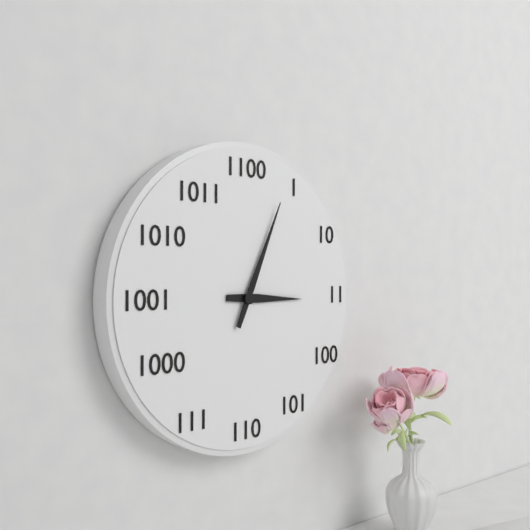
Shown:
3.04
